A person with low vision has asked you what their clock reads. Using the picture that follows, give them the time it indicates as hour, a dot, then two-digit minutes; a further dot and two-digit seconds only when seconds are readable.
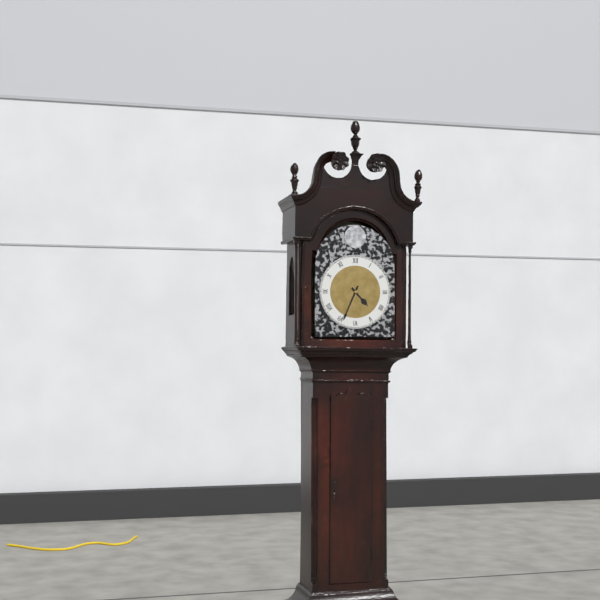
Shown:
4.34
